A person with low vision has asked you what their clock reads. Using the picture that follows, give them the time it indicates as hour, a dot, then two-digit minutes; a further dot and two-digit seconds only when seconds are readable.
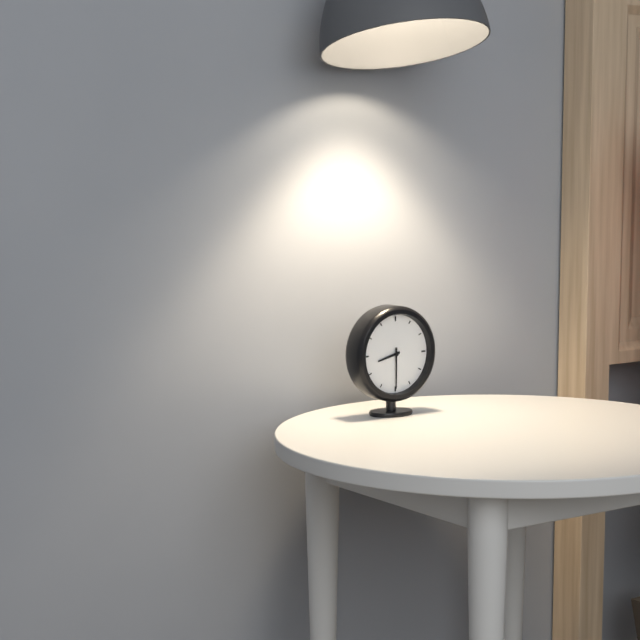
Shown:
8.30
